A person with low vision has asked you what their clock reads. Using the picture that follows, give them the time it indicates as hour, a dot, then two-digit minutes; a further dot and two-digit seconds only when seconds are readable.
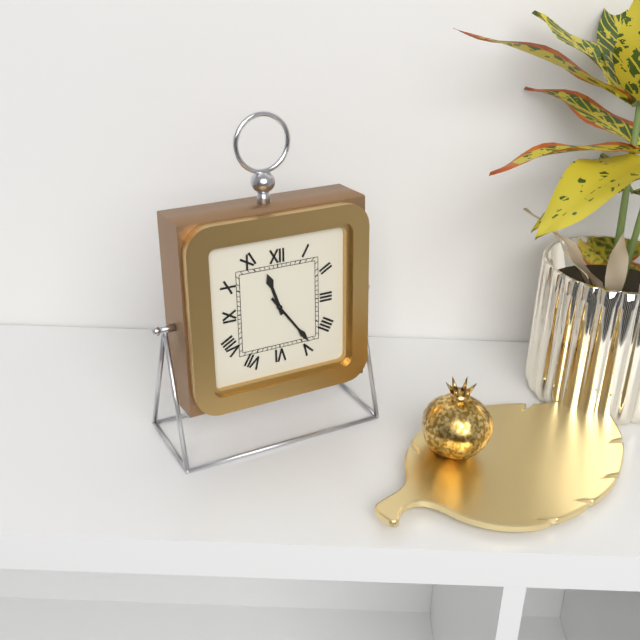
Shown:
11.24
